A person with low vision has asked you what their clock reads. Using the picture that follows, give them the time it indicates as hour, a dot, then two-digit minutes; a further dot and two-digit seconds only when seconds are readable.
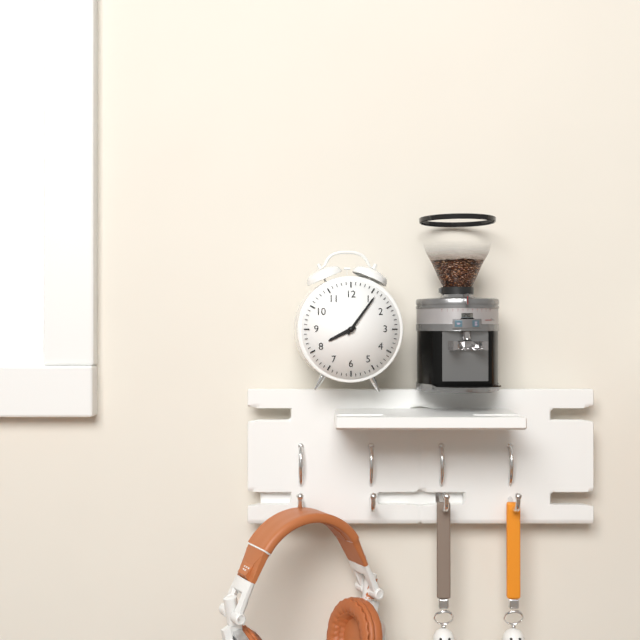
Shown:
8.06
